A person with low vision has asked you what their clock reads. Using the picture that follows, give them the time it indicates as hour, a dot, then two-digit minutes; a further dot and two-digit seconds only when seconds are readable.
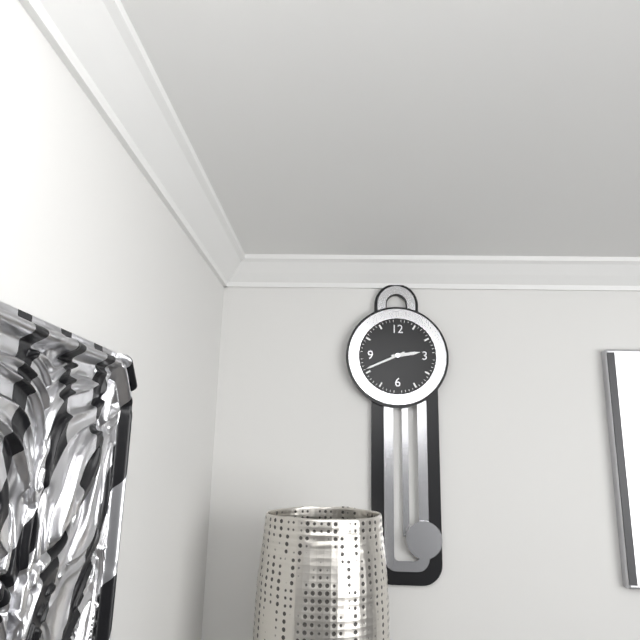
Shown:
2.41
